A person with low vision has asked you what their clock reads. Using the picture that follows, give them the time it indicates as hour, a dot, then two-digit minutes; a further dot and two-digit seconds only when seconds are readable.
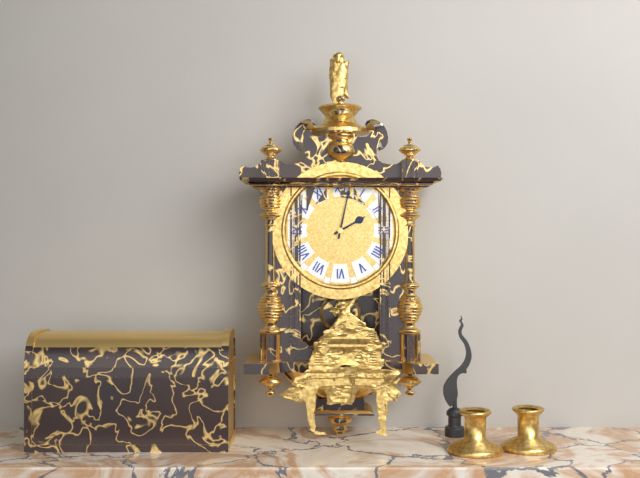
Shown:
2.02
